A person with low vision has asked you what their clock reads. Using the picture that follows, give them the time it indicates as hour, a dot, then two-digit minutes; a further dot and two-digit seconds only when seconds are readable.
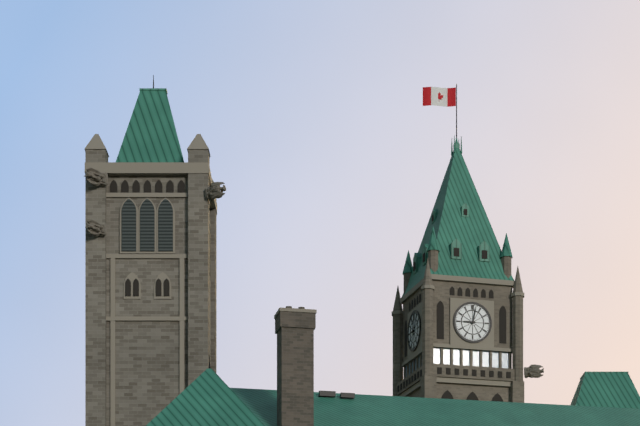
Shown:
9.02
